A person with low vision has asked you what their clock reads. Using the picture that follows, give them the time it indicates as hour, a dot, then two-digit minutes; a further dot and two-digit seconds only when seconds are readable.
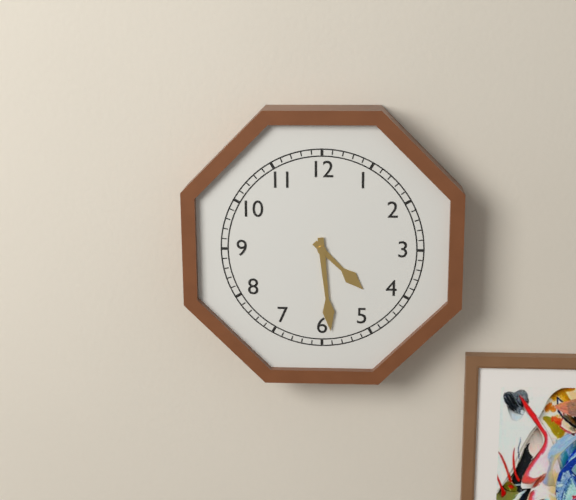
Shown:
4.29
